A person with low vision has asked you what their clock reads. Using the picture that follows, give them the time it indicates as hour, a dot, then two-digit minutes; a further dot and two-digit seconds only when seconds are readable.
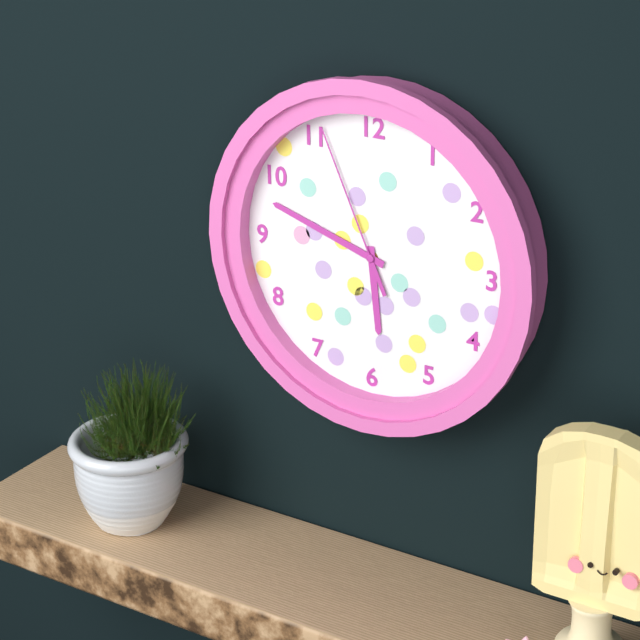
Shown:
5.48.56
